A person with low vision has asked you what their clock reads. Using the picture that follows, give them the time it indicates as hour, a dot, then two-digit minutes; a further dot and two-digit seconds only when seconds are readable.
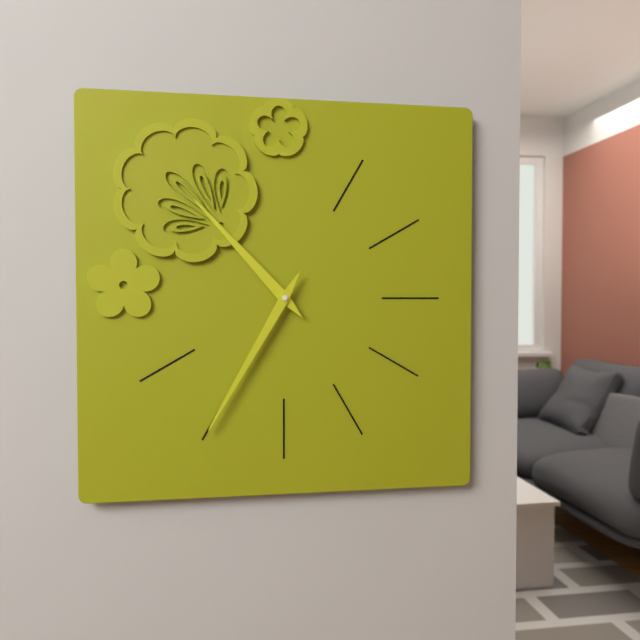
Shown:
10.35
